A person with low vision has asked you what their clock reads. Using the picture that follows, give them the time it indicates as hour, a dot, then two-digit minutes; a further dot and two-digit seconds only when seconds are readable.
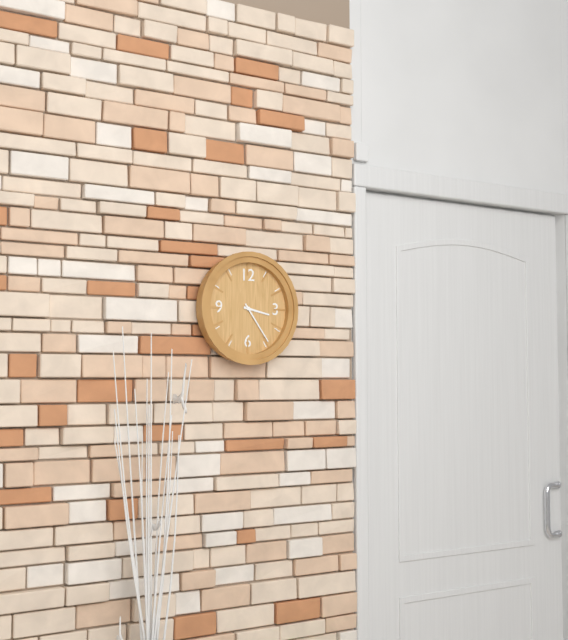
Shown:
3.24
